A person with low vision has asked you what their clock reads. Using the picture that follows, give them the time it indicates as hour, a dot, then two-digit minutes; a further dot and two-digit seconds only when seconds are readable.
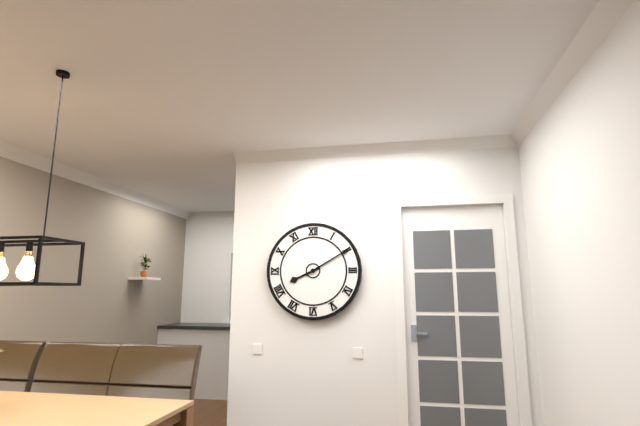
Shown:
8.10
